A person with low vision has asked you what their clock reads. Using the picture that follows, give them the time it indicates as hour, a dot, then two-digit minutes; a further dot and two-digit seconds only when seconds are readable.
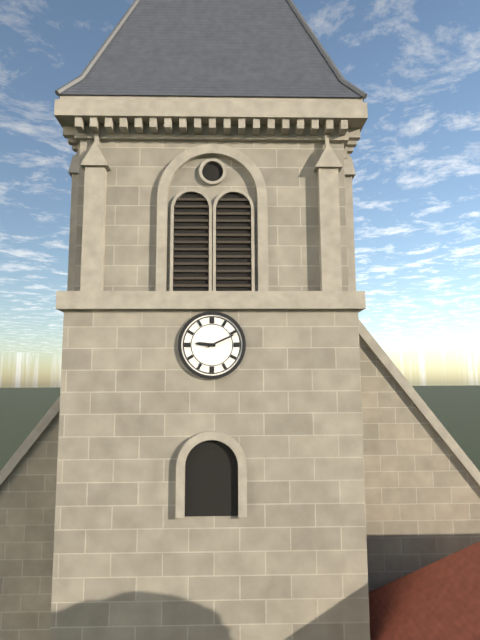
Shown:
9.11
